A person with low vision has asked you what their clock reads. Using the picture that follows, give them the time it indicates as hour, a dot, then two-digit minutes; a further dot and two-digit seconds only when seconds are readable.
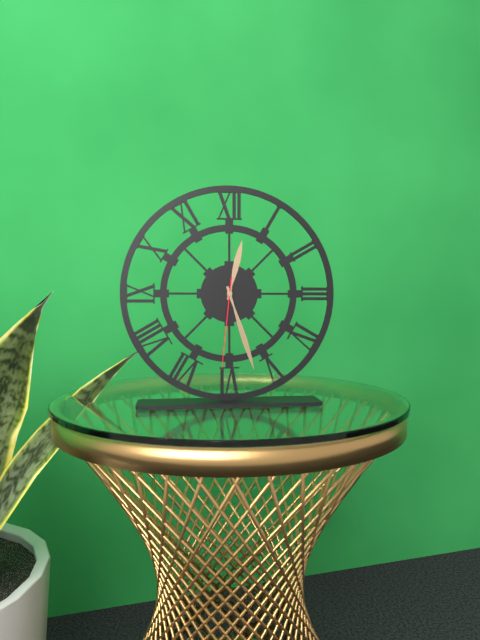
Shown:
12.27.31
